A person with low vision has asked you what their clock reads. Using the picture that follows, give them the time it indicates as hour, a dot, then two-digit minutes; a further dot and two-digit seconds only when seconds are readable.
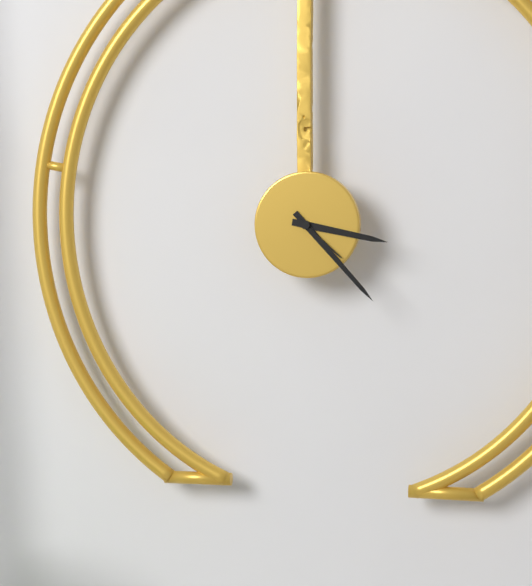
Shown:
3.23.22
